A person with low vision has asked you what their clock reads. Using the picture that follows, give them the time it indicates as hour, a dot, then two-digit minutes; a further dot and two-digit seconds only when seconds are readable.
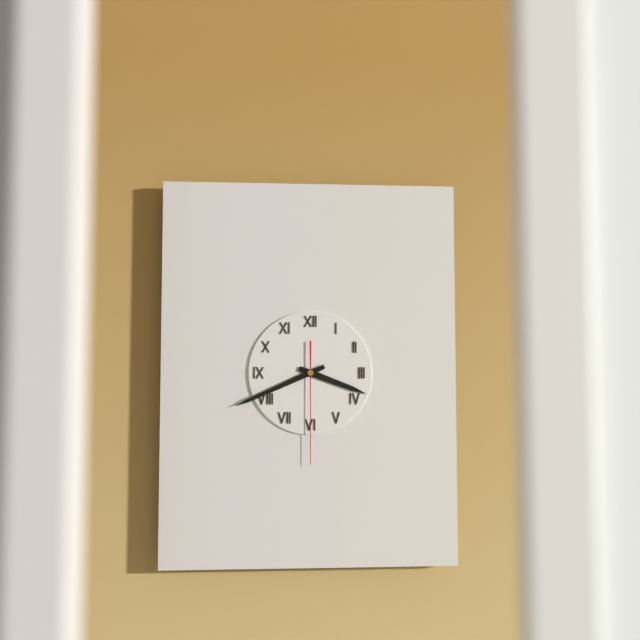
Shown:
3.41.30
